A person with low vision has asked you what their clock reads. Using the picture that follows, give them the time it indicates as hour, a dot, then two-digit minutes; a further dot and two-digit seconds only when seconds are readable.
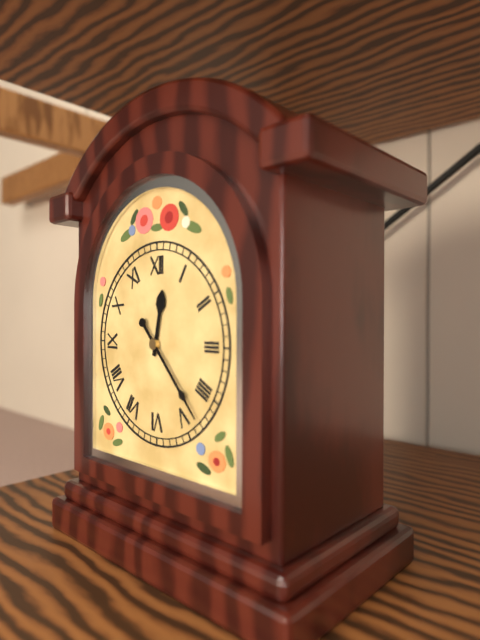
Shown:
12.23
